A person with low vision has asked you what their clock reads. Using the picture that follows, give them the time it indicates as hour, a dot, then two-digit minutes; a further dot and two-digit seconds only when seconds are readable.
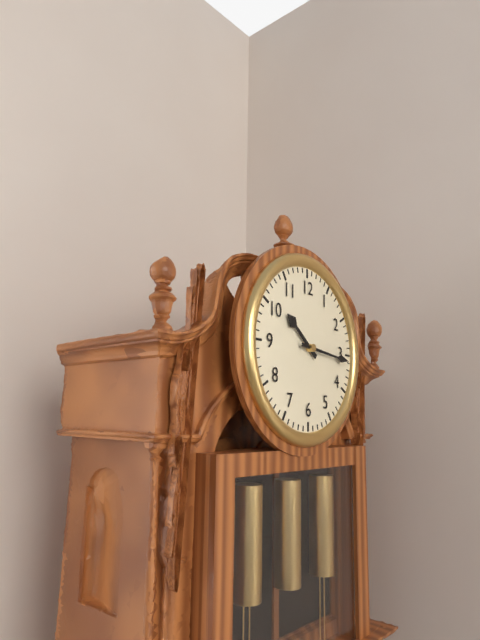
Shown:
10.16
